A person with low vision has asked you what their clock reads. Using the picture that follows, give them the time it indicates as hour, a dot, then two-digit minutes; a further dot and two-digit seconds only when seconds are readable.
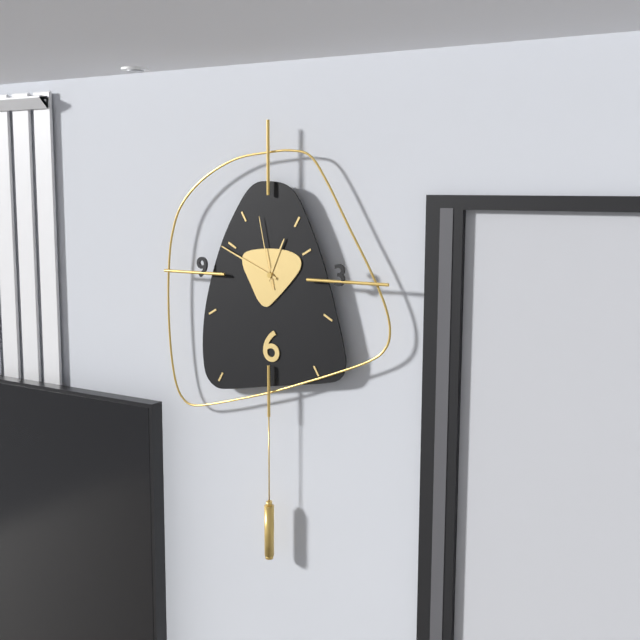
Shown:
12.49.58
